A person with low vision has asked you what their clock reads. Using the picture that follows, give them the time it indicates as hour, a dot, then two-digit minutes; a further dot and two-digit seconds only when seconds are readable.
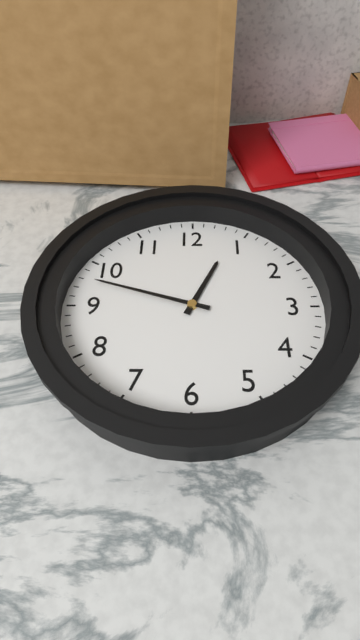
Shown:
12.48
